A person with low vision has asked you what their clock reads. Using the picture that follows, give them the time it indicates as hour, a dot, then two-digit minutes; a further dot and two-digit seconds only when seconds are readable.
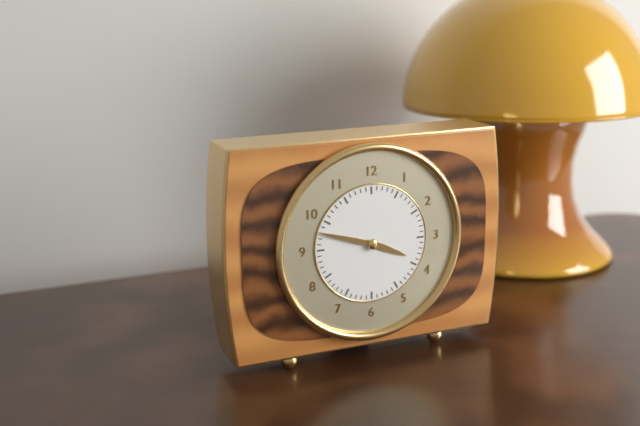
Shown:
3.48
